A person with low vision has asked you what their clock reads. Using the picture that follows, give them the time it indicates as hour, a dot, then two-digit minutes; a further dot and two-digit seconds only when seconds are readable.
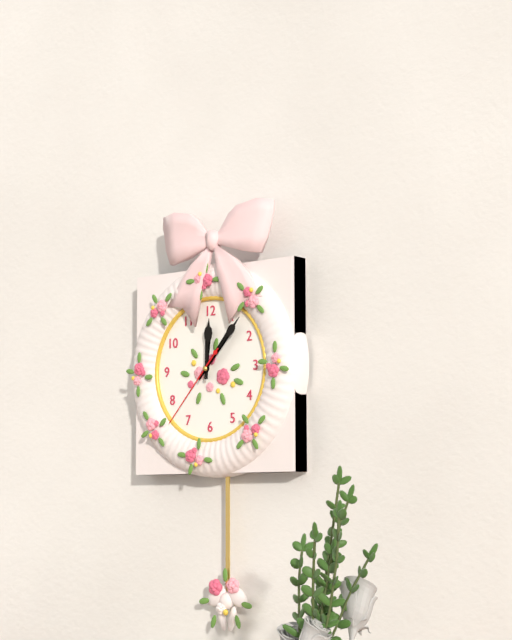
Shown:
12.07.37
